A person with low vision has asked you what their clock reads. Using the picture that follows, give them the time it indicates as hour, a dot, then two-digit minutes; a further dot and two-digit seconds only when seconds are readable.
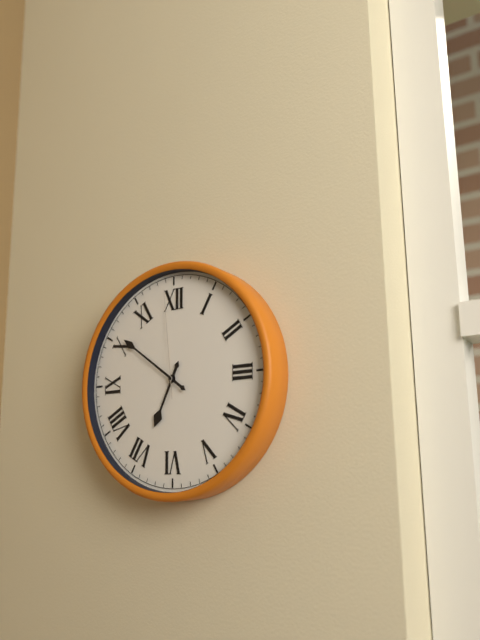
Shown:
6.51.59
